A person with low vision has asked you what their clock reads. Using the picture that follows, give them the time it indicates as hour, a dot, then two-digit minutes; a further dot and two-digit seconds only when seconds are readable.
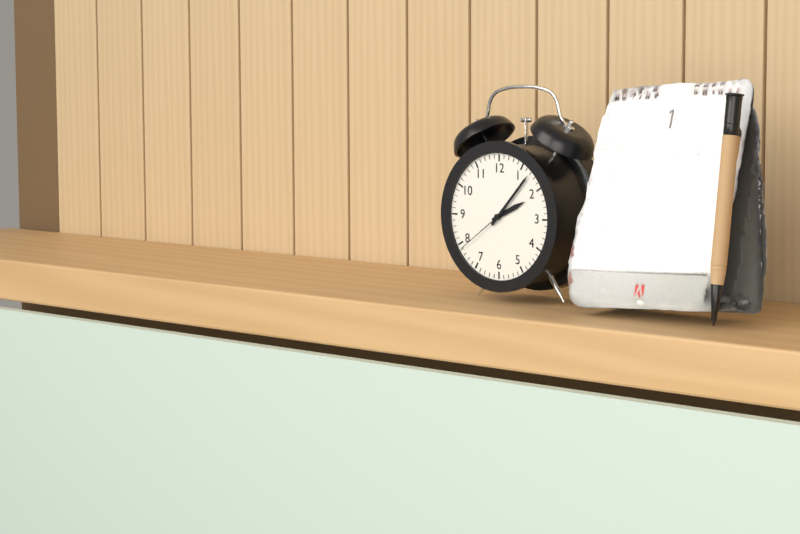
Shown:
2.07.39
